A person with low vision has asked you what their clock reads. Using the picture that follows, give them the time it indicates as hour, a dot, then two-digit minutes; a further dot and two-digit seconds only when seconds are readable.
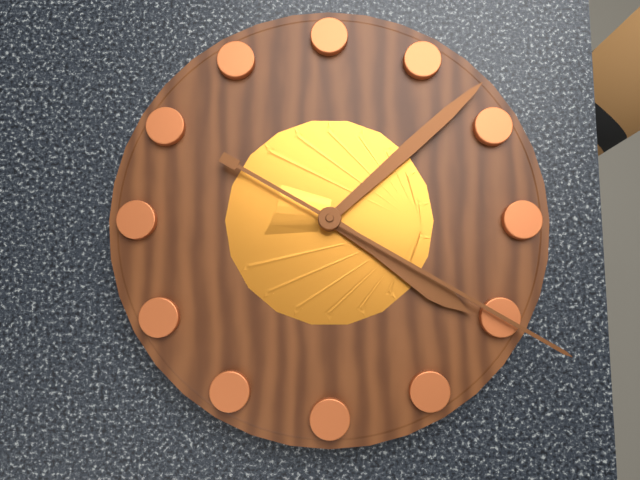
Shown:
4.08.20
